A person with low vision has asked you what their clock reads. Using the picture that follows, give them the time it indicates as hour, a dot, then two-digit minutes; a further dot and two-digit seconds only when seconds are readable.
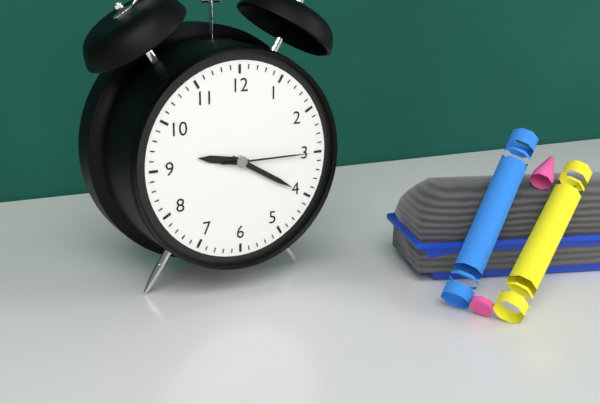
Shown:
9.20.15
